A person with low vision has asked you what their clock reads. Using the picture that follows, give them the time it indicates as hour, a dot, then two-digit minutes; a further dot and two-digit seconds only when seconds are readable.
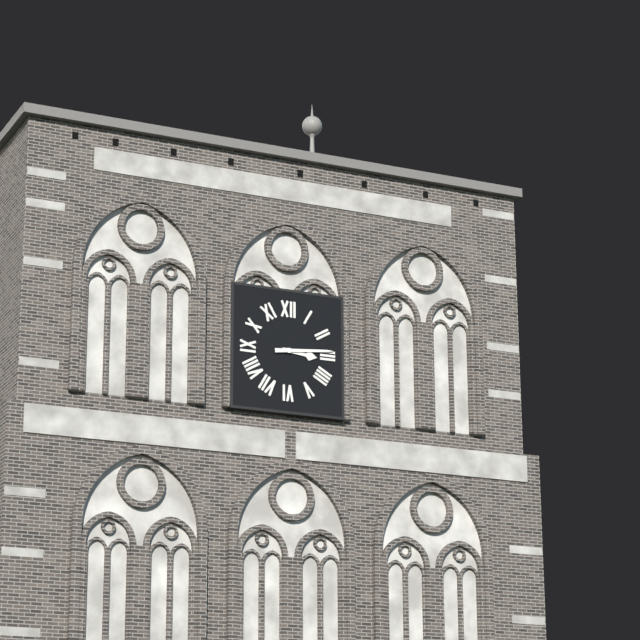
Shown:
3.14
